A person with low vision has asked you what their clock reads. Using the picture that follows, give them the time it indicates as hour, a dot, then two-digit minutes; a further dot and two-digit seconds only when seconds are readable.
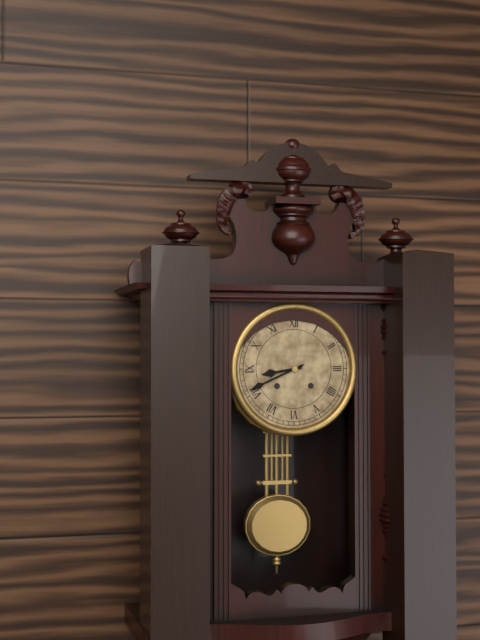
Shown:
8.41
